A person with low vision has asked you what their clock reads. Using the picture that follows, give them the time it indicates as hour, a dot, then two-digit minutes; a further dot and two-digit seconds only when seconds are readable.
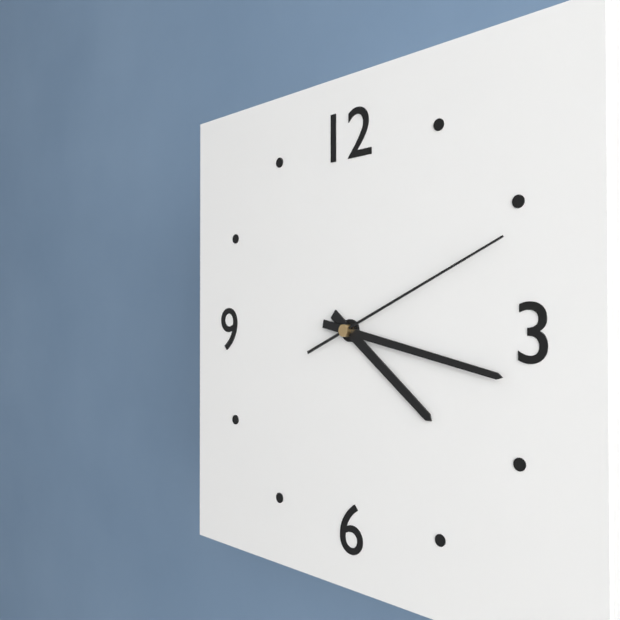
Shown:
4.17.11
